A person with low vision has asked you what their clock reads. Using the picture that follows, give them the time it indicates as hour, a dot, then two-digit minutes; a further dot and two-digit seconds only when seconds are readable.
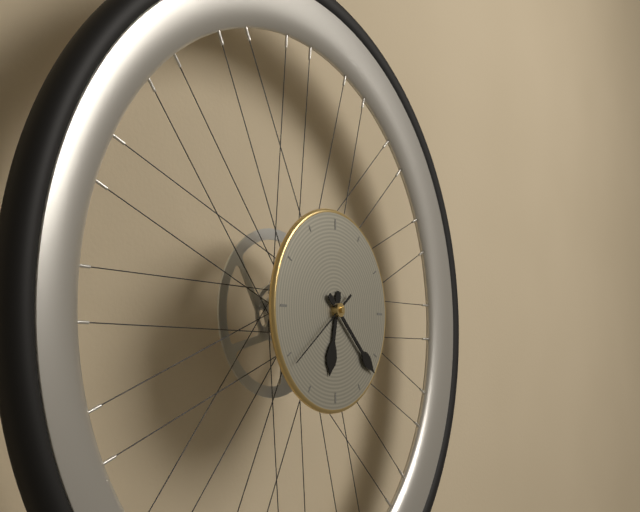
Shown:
6.22.39
